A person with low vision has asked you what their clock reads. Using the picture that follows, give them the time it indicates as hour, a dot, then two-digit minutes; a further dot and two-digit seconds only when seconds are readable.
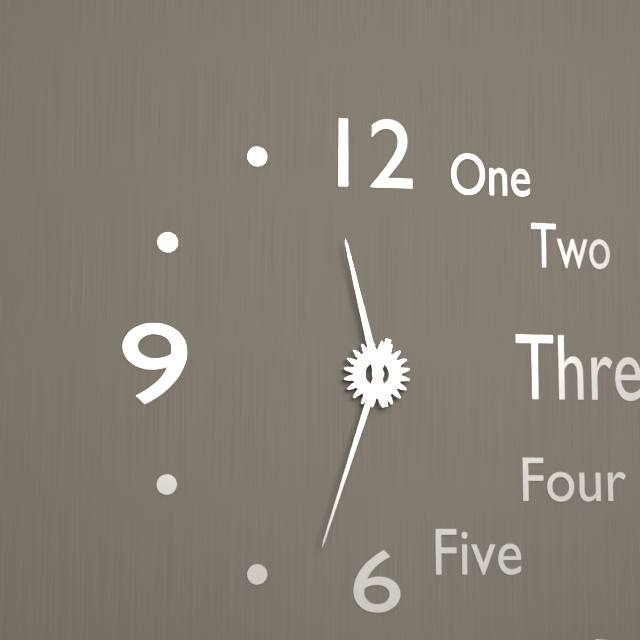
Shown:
11.33
